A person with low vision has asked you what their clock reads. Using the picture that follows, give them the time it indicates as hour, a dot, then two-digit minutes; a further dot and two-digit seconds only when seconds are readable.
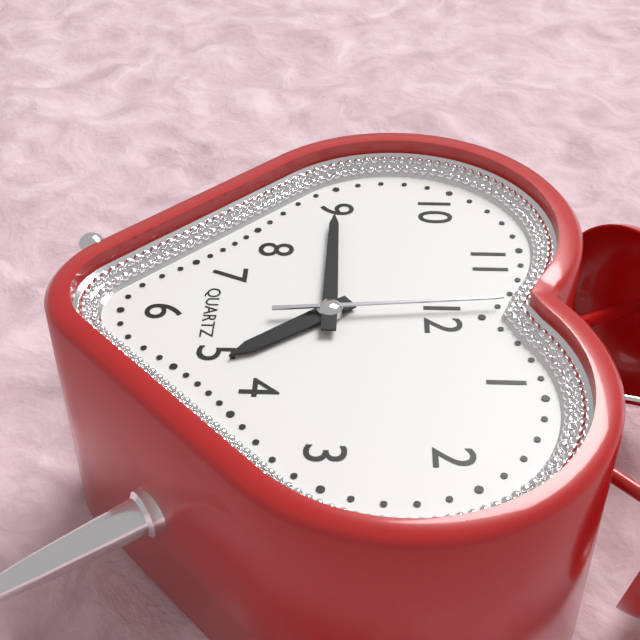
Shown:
4.45.59
